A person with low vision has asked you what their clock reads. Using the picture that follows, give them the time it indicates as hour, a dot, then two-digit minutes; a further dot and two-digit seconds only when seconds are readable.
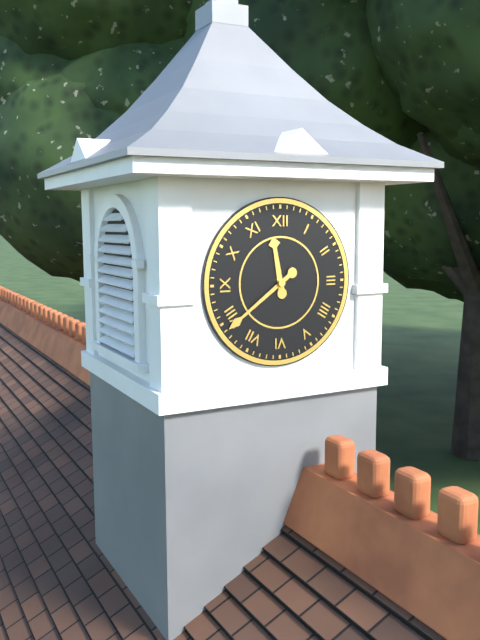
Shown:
11.39
